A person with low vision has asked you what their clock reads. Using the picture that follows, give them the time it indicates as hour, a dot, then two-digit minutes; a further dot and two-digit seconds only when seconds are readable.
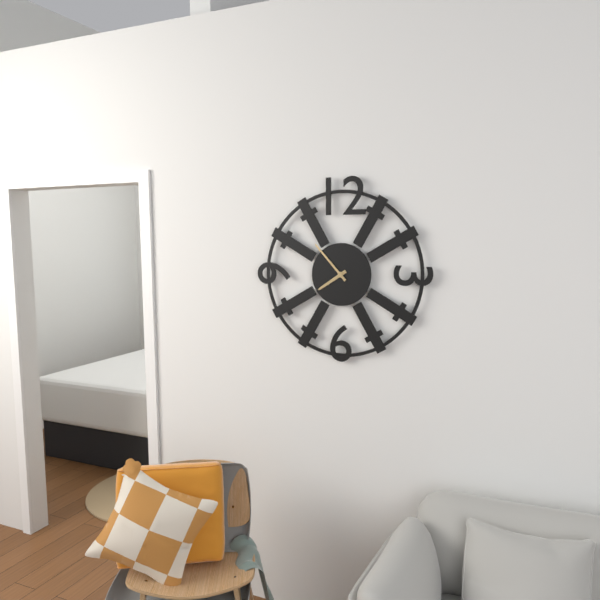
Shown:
7.53
